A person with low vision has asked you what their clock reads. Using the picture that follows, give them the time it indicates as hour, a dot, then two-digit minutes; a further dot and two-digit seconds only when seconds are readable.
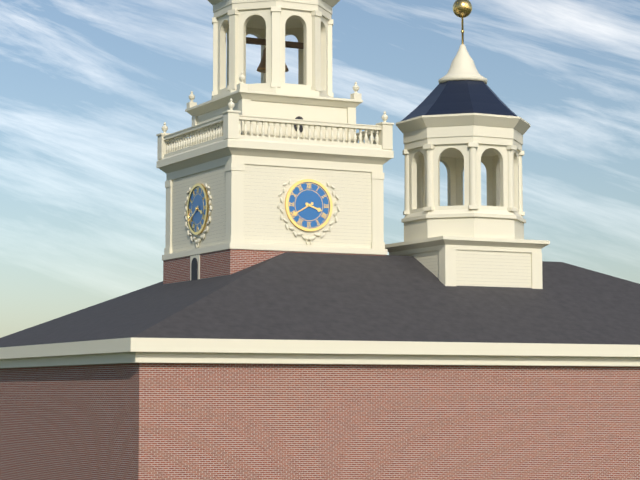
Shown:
3.40
